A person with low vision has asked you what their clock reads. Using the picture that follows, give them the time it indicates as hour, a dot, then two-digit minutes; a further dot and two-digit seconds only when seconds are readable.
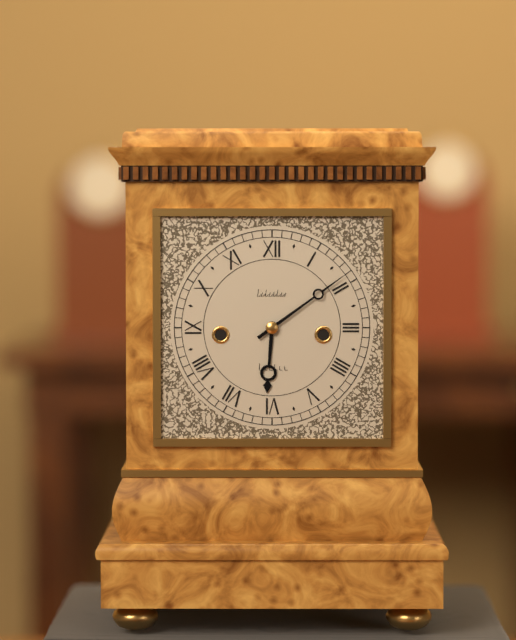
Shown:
6.09
